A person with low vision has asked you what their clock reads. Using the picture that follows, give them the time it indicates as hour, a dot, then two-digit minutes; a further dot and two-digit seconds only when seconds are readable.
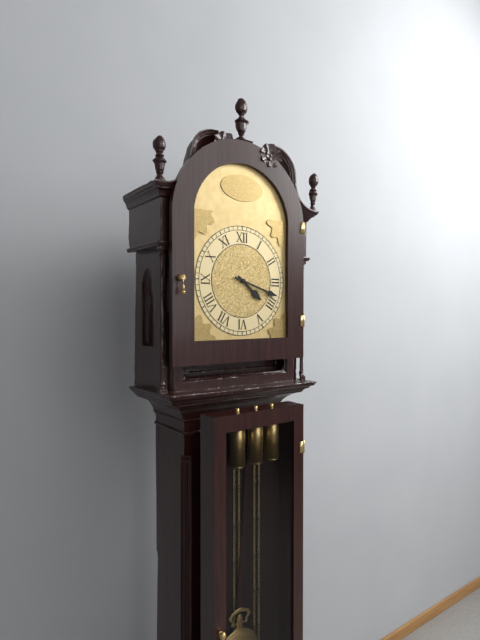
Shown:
4.18
